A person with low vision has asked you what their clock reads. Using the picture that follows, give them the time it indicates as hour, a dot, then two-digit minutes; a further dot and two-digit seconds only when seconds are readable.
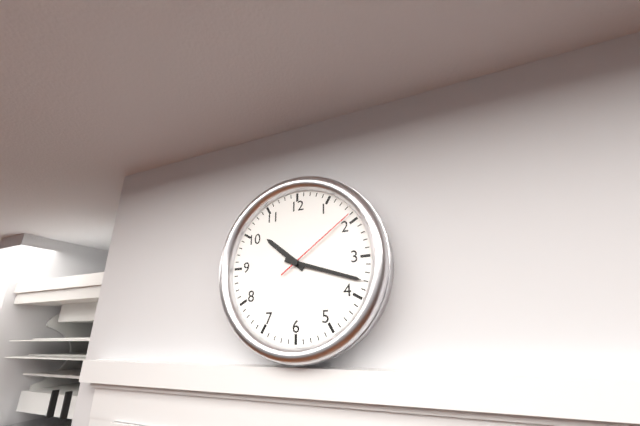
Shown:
10.18.09
